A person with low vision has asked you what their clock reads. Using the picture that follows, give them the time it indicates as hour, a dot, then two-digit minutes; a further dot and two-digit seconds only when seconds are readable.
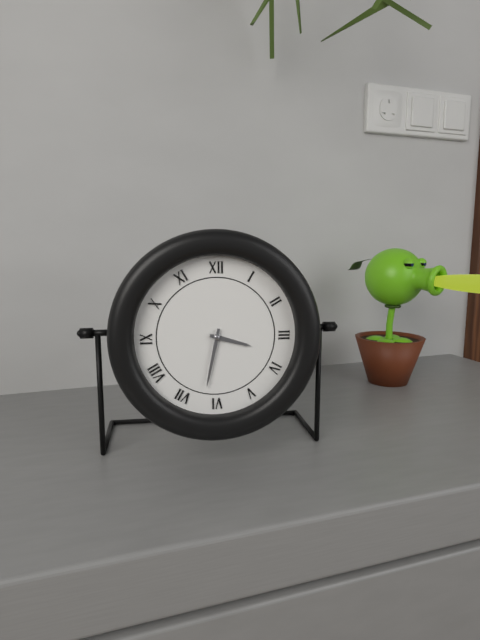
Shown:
3.32
